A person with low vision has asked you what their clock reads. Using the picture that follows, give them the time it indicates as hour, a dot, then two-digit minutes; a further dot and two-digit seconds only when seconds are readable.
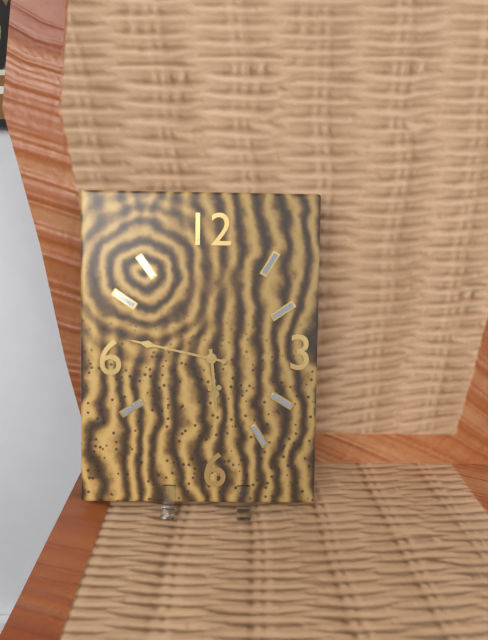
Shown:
5.47
